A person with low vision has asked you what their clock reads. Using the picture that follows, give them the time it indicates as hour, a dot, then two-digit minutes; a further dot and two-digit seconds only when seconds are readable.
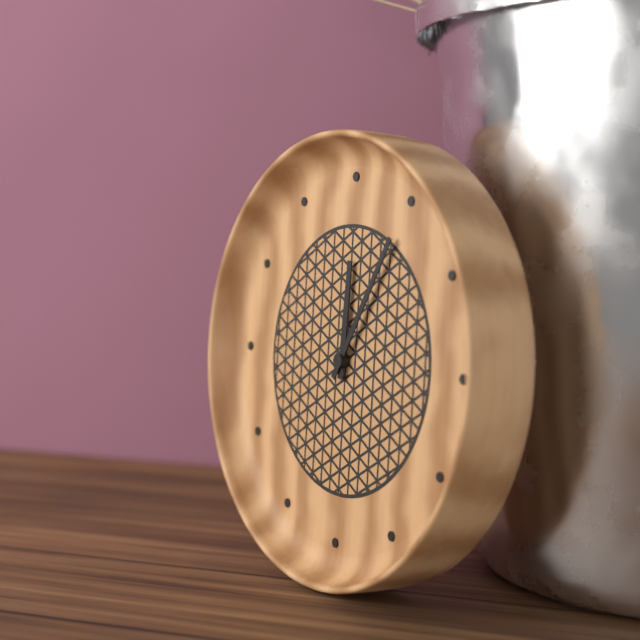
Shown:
12.05
